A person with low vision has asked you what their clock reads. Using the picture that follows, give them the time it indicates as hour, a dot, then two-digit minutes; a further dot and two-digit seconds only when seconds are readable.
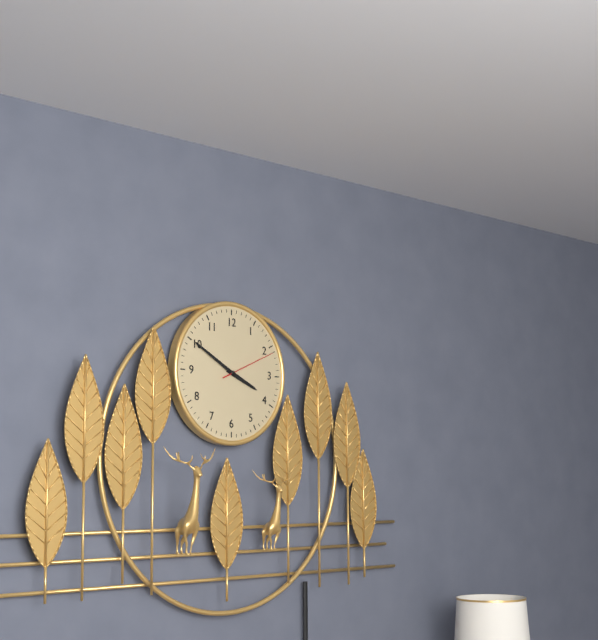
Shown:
3.50.11
